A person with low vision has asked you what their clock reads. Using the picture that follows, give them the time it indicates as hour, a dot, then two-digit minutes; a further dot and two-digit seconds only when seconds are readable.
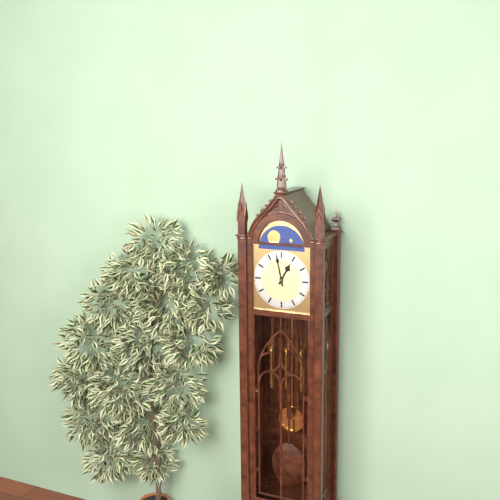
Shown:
12.58
